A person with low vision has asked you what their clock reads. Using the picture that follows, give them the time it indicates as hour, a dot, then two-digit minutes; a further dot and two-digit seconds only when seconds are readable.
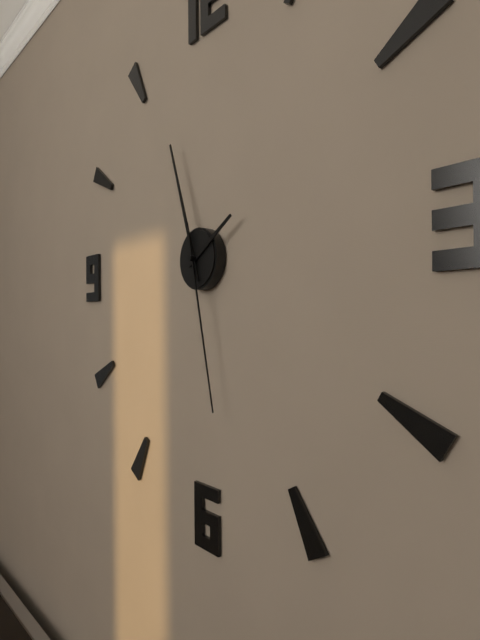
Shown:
1.57.28
